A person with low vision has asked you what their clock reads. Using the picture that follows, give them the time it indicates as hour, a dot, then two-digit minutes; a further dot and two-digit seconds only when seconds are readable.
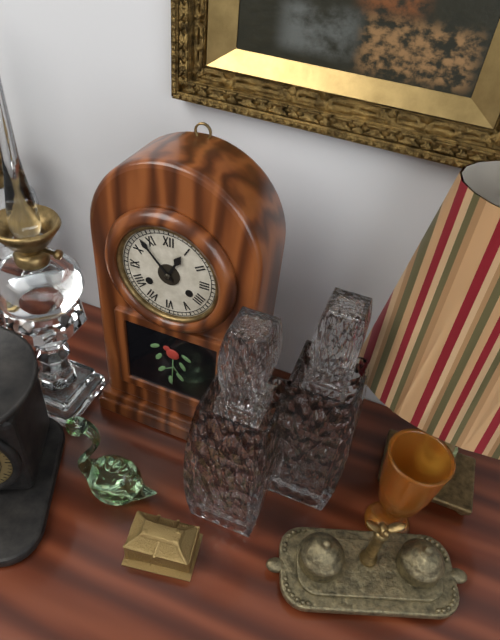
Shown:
12.53
